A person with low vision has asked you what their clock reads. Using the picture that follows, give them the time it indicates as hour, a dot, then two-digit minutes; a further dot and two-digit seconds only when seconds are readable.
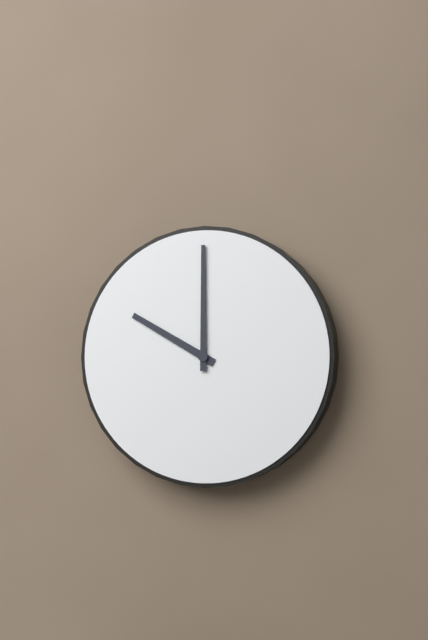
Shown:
10.00
